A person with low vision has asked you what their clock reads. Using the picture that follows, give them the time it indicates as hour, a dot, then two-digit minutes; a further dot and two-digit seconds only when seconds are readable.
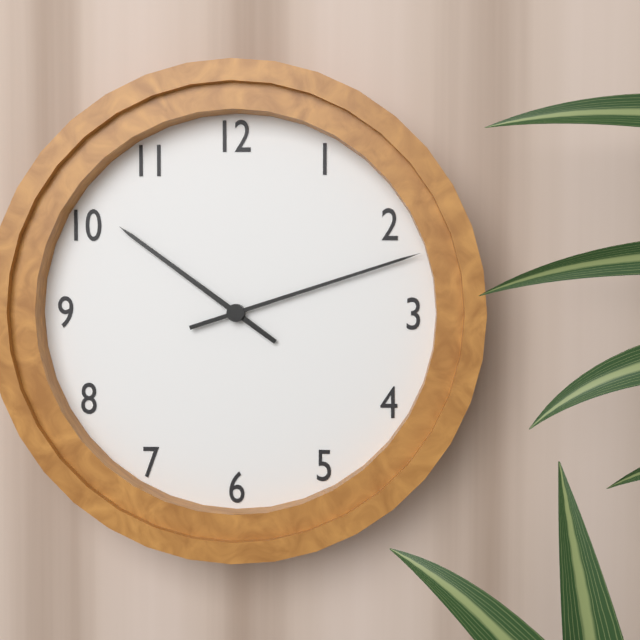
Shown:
10.12
